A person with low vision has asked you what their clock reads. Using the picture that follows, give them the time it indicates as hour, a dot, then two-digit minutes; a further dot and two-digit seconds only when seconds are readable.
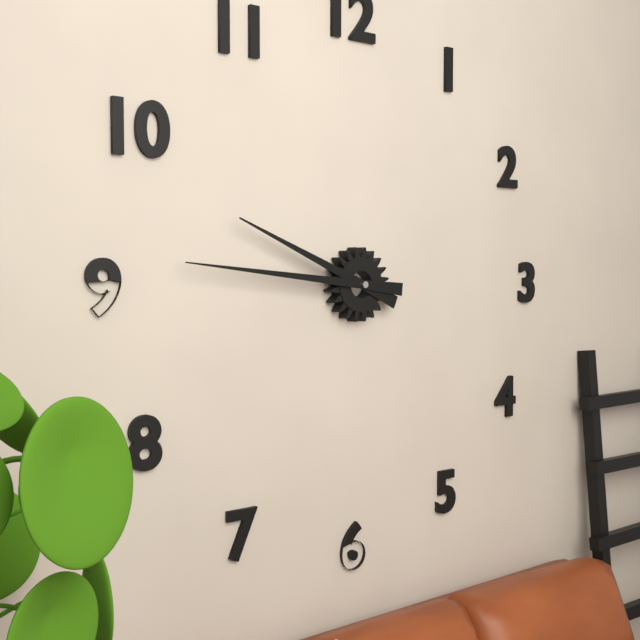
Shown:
9.46
